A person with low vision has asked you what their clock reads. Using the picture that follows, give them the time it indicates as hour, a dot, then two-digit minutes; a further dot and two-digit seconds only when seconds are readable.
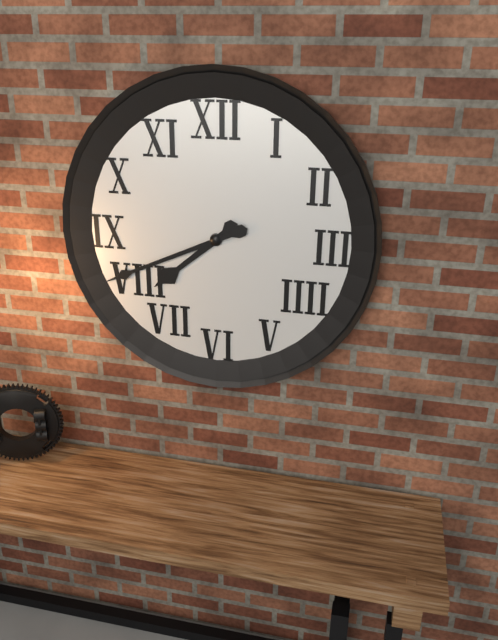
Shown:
7.41
